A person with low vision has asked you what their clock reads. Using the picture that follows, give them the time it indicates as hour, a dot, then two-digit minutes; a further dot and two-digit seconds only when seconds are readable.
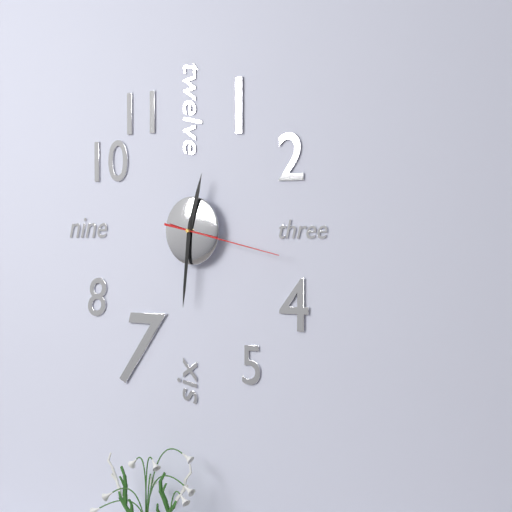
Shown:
12.31.17
